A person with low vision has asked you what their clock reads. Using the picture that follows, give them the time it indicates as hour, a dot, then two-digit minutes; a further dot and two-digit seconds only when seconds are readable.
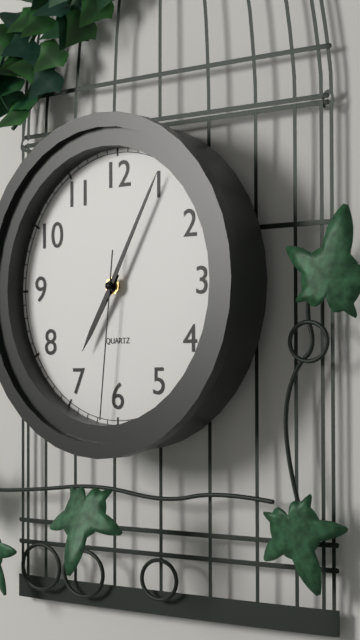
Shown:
7.05.31
